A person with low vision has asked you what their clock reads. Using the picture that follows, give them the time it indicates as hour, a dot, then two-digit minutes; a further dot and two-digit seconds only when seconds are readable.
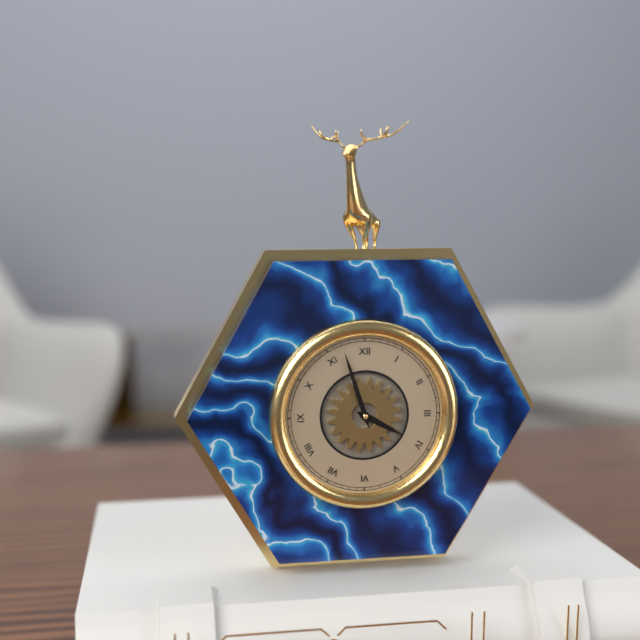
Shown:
3.57
